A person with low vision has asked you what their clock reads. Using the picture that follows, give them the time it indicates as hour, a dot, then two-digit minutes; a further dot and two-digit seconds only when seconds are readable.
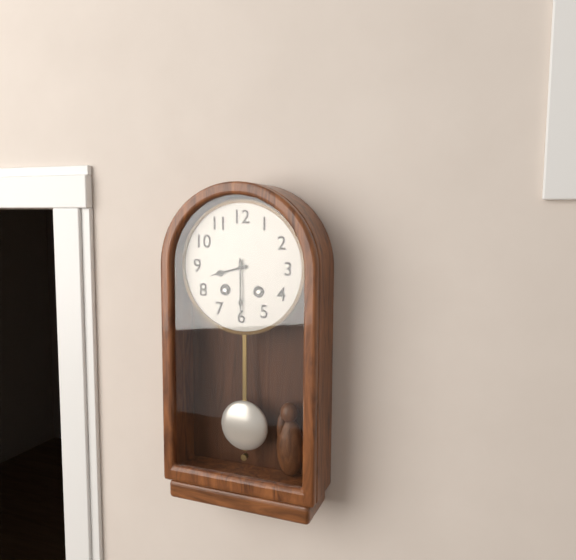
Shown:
8.30
